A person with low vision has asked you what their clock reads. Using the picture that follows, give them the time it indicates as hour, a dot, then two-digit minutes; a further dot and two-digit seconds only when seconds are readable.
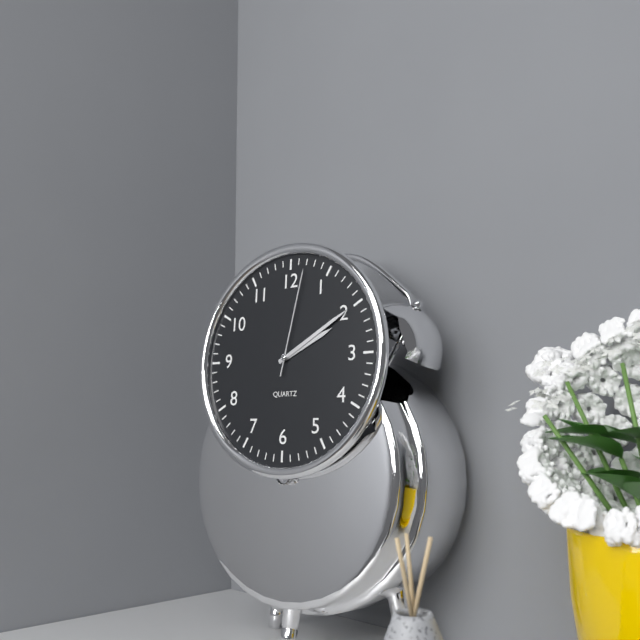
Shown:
2.10.02
